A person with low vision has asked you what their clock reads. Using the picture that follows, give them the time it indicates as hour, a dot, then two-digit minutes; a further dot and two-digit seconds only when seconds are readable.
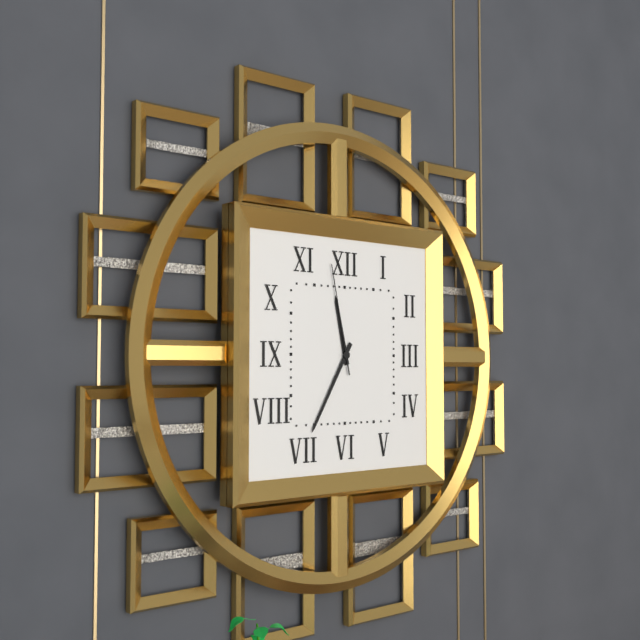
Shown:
11.35.58
